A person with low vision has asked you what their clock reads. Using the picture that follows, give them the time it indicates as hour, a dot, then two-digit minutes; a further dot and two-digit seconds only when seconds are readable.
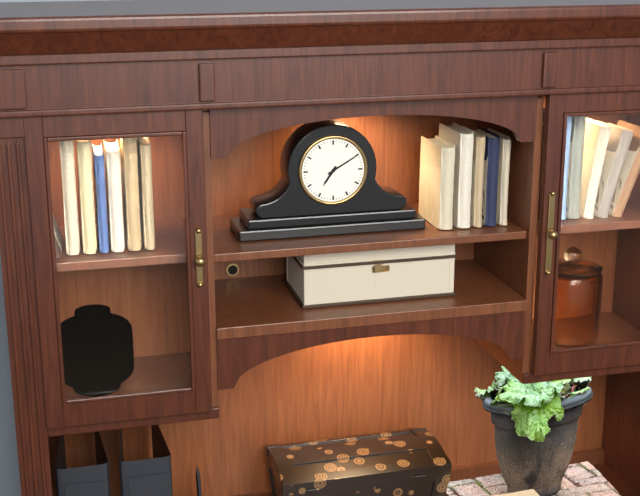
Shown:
7.10
